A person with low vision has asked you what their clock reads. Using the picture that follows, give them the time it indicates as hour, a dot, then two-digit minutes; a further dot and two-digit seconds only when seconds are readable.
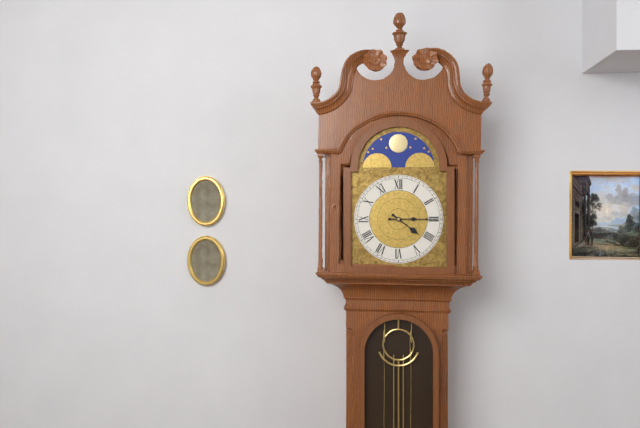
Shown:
4.15
